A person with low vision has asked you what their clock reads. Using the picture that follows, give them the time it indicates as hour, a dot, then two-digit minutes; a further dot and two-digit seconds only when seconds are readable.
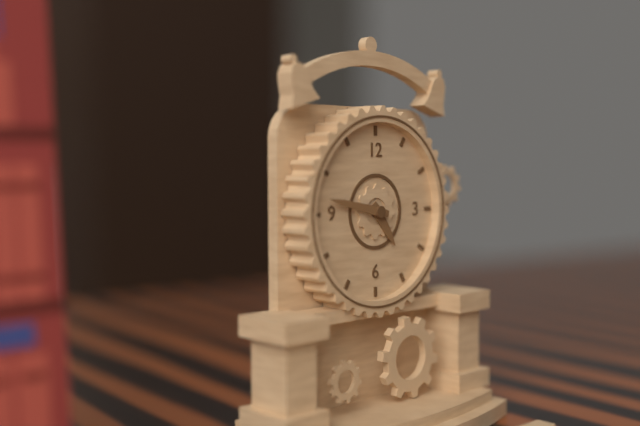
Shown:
4.47
